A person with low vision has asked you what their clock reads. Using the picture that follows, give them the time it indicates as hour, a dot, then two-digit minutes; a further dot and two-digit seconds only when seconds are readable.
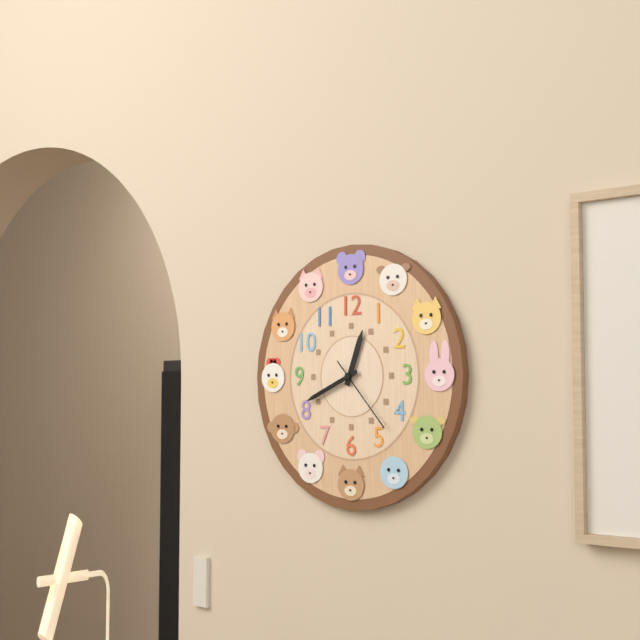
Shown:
12.41.23
